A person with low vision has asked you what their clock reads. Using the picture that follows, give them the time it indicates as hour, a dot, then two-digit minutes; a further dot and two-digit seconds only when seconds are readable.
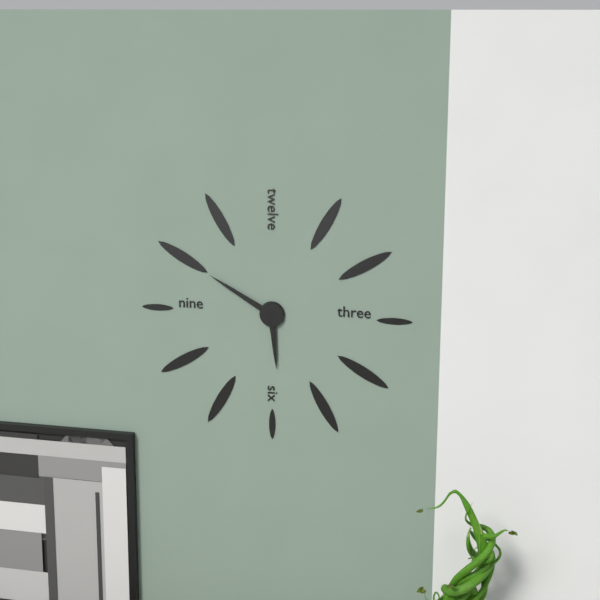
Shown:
5.50
